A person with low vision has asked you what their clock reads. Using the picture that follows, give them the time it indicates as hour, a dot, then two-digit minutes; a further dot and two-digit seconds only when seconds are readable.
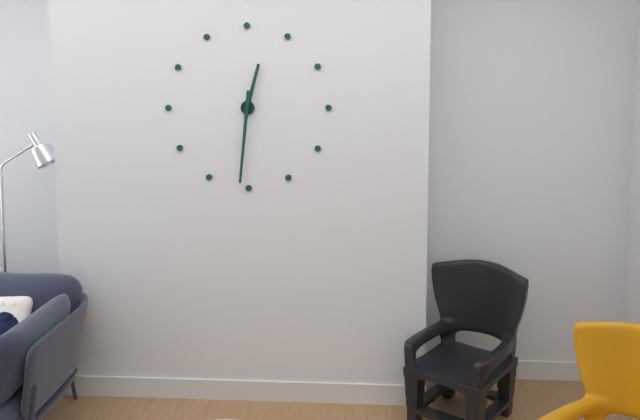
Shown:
12.31
